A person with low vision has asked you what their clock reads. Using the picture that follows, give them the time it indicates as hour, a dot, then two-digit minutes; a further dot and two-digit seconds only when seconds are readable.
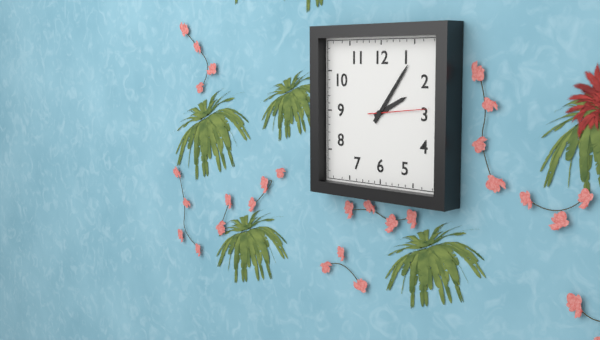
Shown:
2.06.14
